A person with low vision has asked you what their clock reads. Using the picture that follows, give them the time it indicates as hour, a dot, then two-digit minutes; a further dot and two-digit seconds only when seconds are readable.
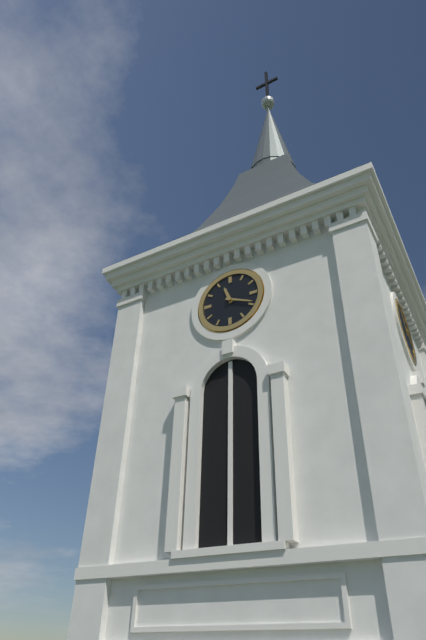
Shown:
11.19
